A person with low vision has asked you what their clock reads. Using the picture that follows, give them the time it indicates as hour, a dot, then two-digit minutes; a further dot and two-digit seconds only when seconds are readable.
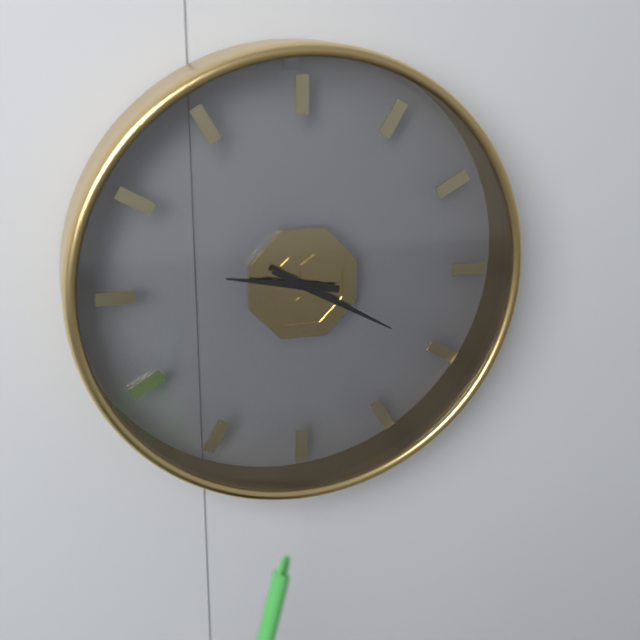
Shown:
9.20
